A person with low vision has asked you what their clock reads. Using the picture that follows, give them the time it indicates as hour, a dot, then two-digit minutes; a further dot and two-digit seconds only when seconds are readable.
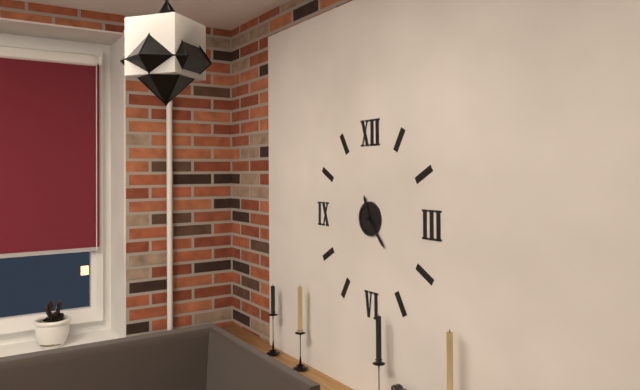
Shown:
11.23
